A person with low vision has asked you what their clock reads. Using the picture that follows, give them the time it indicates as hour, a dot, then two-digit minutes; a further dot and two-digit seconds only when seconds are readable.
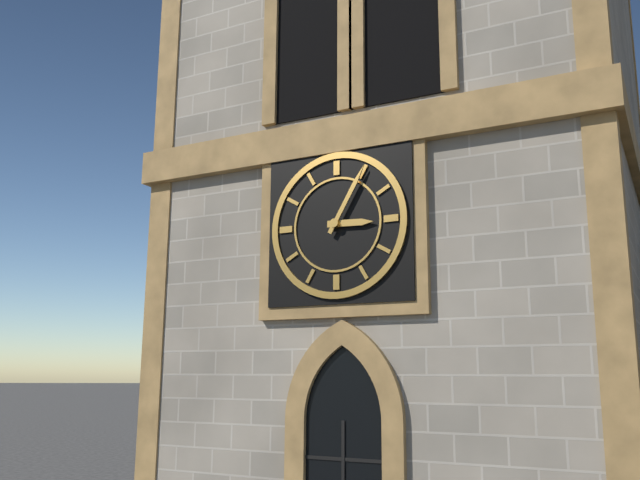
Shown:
3.05
